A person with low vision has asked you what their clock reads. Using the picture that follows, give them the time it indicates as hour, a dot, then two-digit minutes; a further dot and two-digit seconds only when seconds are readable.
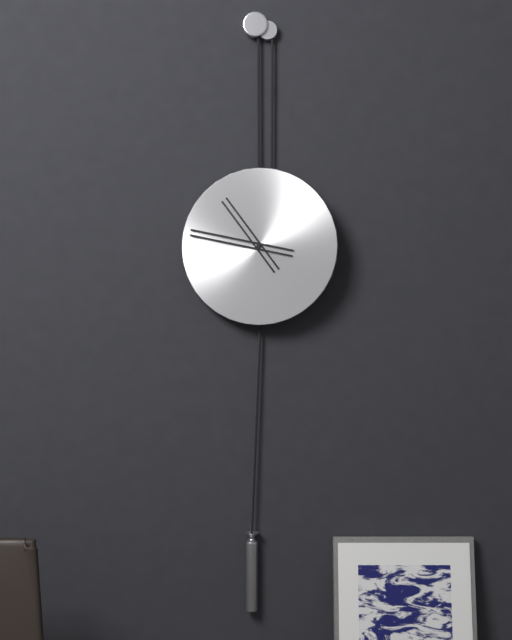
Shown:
10.47
